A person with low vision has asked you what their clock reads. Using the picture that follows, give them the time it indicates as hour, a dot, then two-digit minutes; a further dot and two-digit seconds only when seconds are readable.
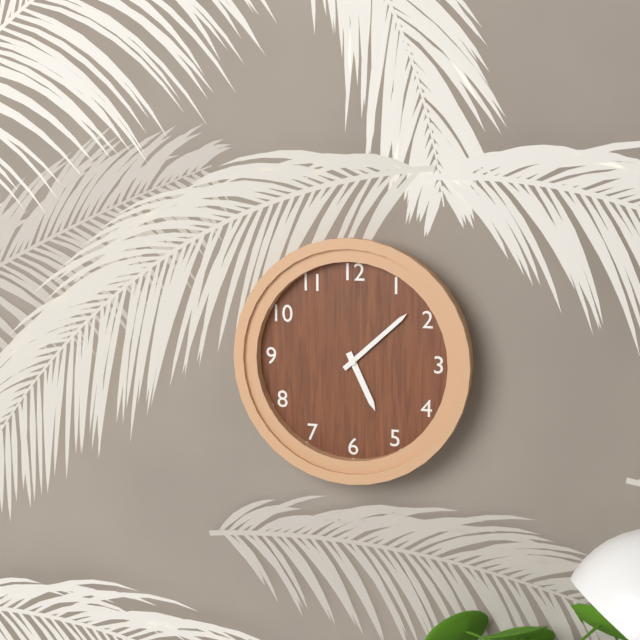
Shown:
5.08
